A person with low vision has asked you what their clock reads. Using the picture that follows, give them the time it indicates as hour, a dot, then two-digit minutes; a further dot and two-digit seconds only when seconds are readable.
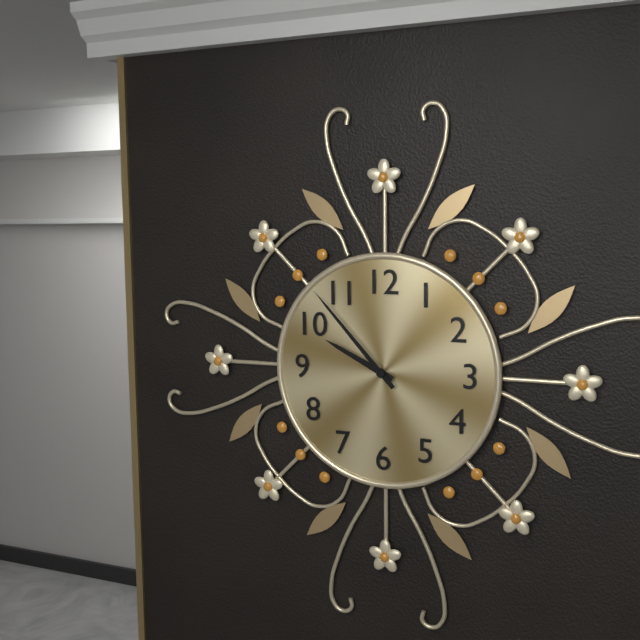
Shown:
9.53
